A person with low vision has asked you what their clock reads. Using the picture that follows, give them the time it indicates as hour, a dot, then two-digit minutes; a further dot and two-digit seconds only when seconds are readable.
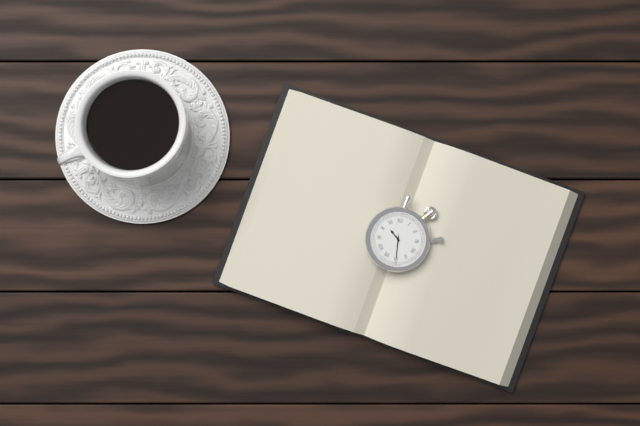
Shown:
10.30
